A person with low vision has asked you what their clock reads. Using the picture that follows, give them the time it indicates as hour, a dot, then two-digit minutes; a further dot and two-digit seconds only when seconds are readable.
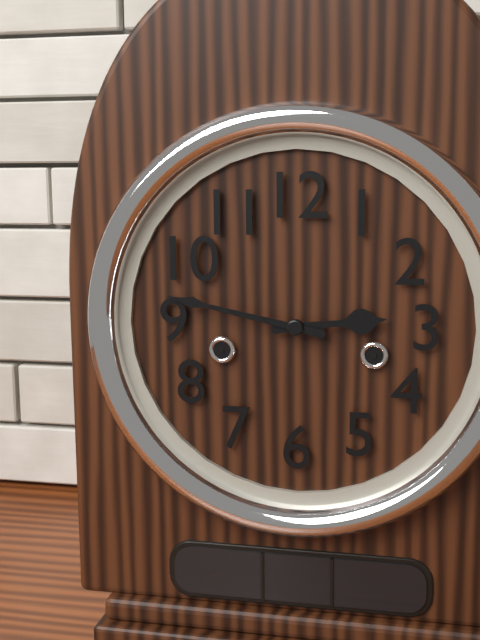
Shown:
2.47
